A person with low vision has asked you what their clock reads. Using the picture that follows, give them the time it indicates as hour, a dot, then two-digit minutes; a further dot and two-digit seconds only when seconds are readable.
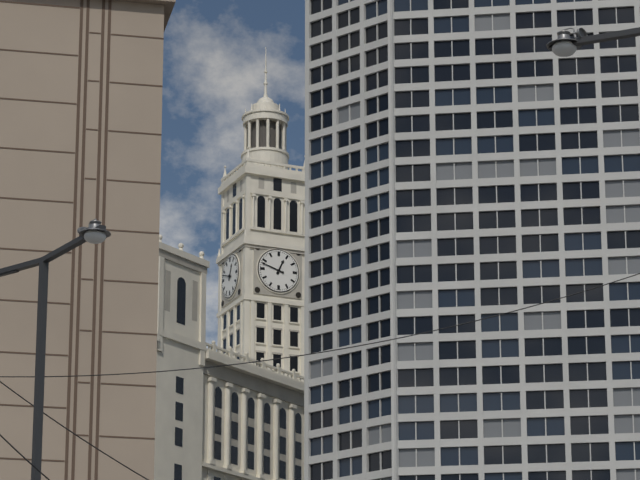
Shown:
12.48
